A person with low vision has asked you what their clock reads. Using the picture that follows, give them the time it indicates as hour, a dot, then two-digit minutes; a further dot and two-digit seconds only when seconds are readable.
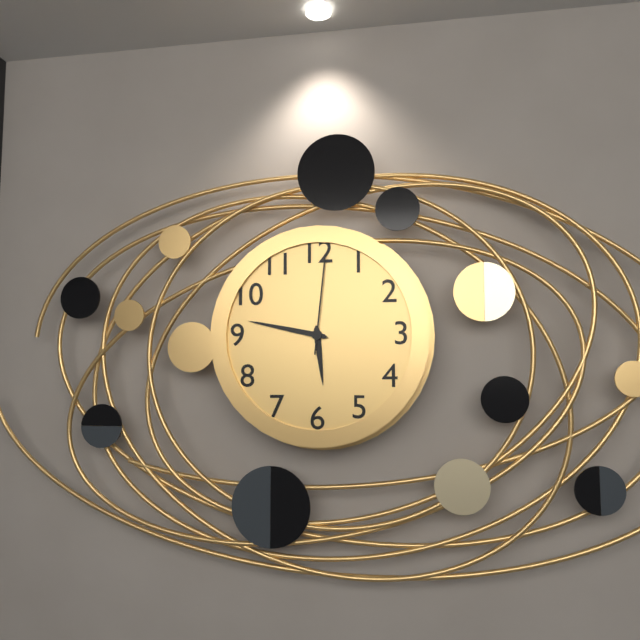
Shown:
5.47.01
